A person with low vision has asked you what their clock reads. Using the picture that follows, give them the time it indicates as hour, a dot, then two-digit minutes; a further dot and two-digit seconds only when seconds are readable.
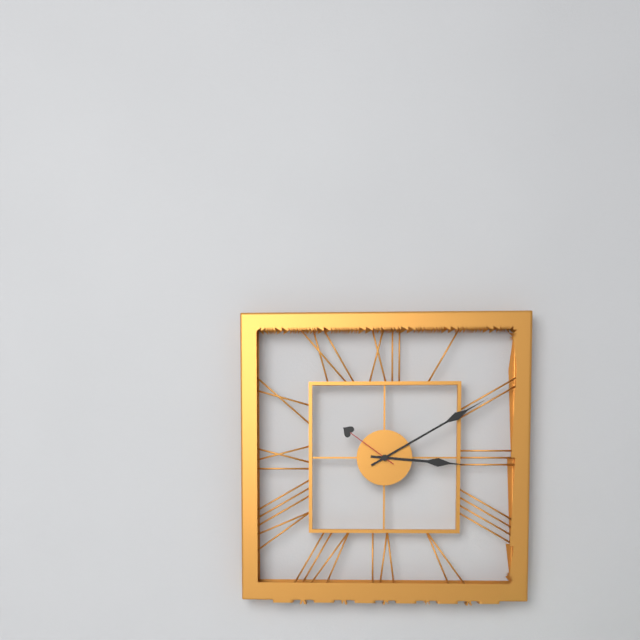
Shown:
3.10.51
